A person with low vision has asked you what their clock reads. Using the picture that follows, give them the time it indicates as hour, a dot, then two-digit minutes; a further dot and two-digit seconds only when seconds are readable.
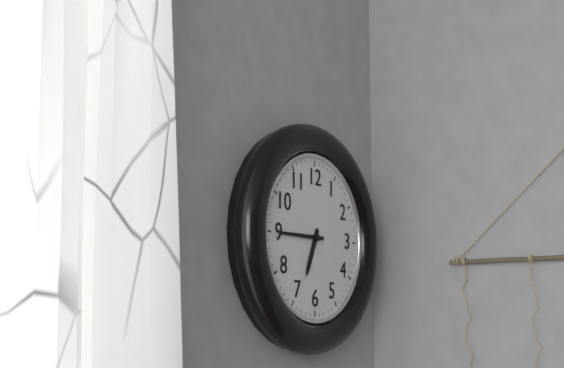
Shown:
6.45
